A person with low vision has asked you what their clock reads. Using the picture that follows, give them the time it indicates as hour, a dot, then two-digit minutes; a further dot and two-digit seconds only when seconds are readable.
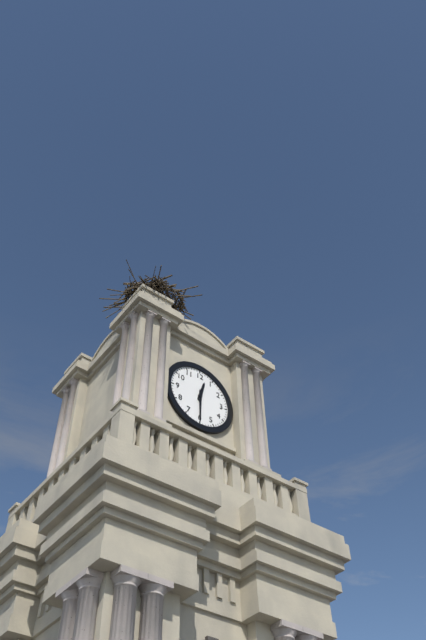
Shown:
12.30
